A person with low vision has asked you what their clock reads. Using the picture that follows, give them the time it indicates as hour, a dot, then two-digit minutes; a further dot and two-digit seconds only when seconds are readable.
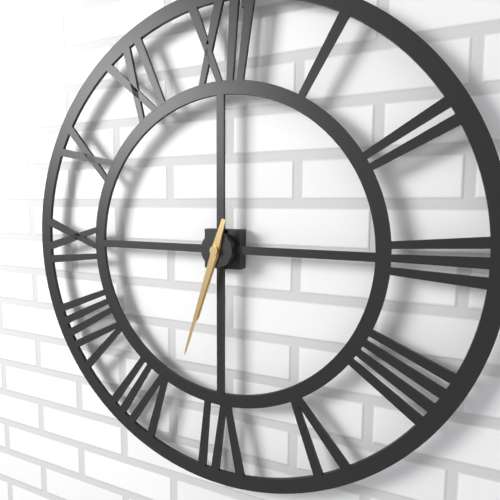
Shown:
6.33
